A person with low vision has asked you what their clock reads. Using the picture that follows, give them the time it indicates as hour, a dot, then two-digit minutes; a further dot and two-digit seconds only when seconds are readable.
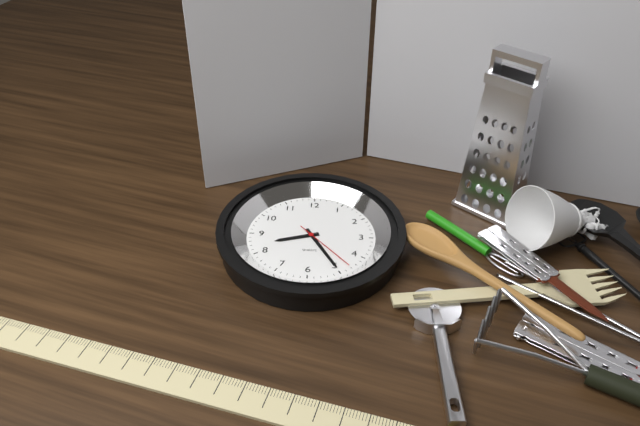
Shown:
8.25.23
